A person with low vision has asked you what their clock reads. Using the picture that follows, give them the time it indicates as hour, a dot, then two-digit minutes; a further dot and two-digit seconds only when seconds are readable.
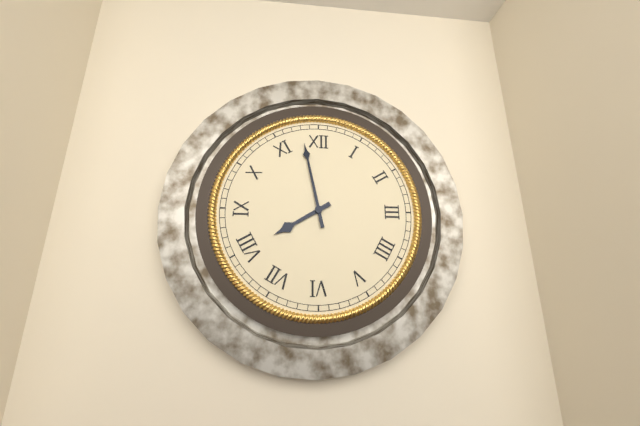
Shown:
7.58
